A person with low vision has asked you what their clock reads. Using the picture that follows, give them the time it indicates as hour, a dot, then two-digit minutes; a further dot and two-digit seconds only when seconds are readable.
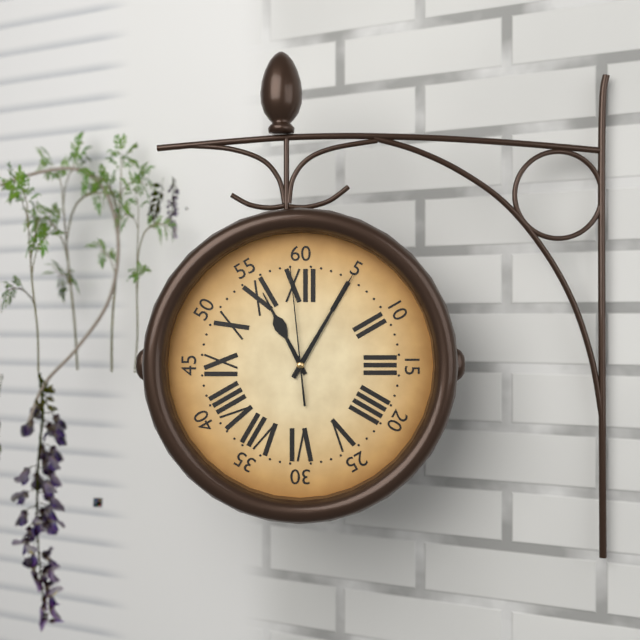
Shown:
11.05.59
